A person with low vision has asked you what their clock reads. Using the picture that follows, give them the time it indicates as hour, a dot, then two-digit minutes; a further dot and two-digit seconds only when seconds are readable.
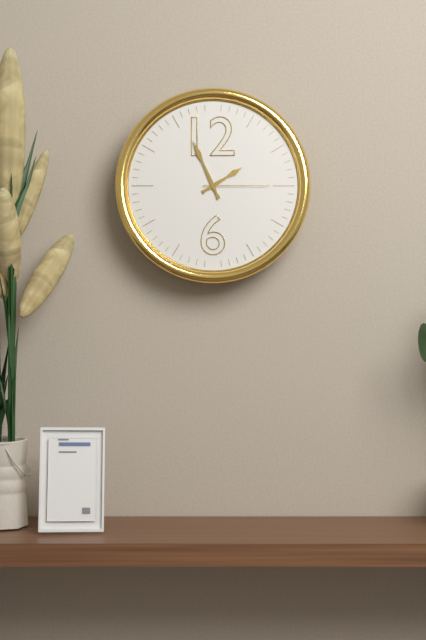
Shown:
1.56.15
